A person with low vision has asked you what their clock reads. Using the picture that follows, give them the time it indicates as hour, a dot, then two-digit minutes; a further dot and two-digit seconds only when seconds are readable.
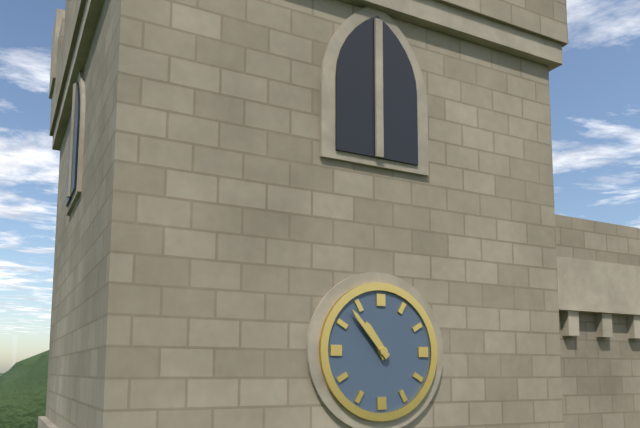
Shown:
10.53
